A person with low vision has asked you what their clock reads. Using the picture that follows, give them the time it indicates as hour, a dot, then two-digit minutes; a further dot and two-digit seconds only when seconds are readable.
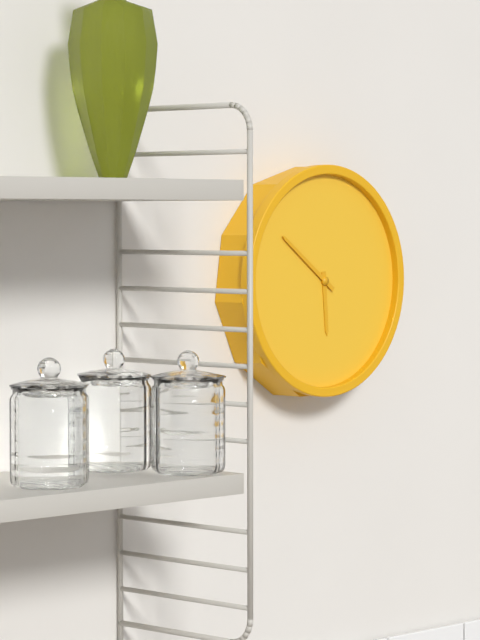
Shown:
5.51
